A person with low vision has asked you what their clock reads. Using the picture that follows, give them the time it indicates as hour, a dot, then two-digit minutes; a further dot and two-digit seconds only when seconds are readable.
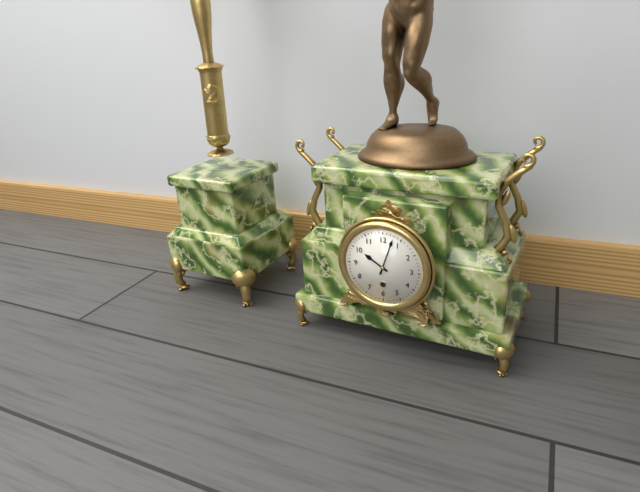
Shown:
10.03
